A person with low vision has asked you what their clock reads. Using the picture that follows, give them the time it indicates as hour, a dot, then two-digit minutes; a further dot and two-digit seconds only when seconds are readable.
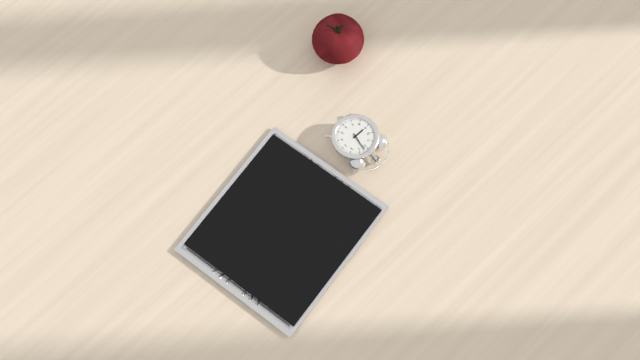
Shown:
9.02
